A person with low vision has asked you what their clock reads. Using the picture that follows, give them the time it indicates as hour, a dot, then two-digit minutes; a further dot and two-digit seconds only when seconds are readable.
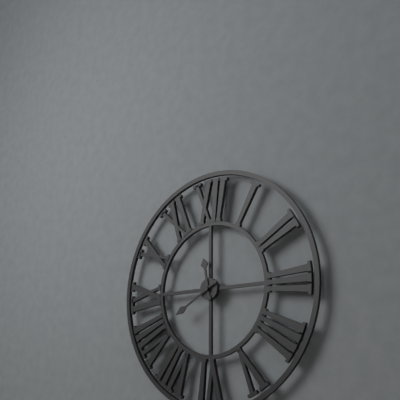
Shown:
11.40
